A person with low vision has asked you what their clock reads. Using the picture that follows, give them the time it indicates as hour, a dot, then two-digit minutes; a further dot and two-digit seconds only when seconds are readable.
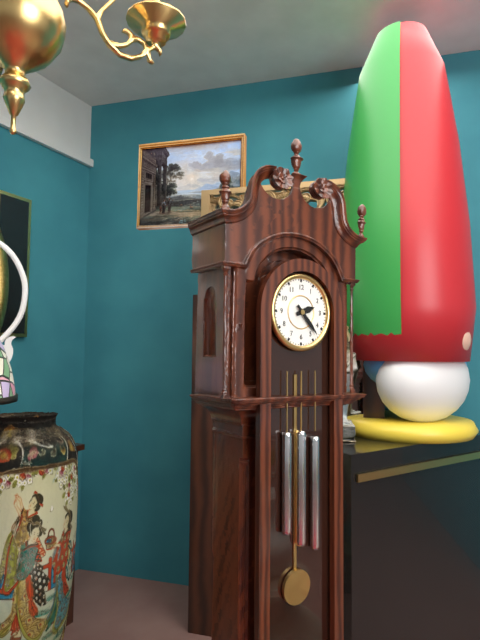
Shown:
2.23
